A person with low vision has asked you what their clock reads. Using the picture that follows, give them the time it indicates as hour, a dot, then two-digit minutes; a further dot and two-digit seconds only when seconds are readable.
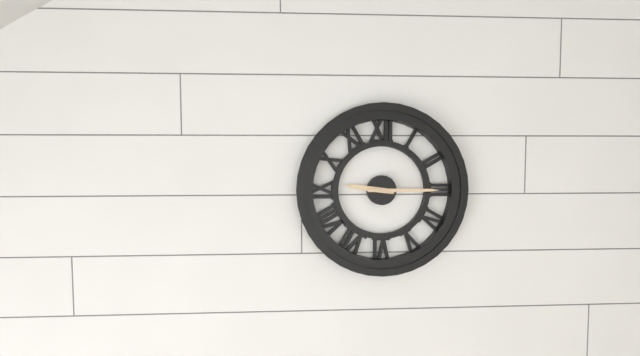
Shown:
9.15
